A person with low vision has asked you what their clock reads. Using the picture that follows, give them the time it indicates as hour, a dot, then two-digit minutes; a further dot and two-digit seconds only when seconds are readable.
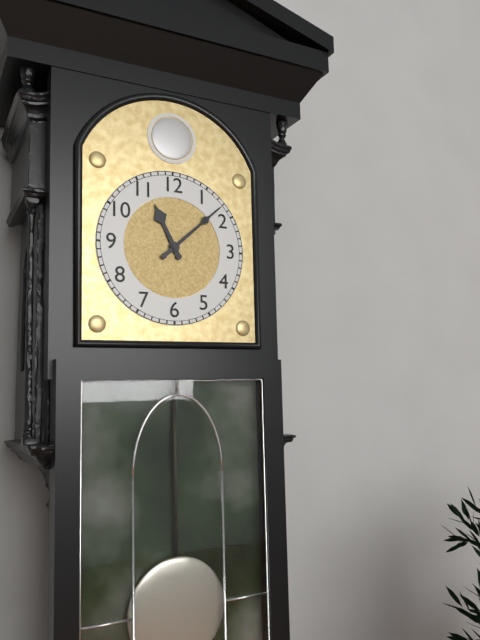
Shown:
11.08
